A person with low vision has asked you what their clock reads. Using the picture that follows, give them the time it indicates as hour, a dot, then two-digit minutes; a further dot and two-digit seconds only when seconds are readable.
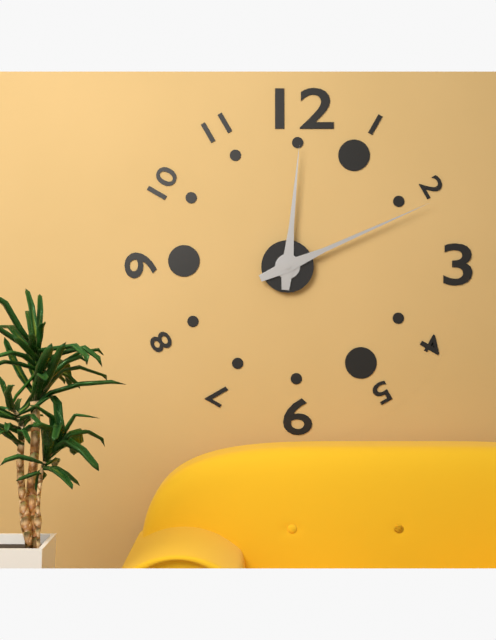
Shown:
12.11
